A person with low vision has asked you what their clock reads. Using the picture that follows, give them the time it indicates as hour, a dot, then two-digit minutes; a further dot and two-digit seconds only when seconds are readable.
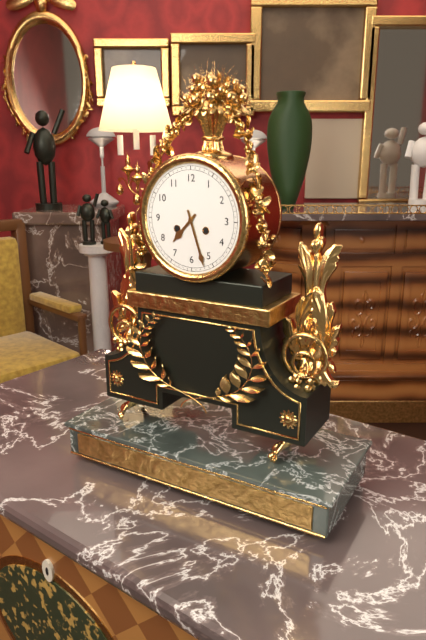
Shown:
7.27
